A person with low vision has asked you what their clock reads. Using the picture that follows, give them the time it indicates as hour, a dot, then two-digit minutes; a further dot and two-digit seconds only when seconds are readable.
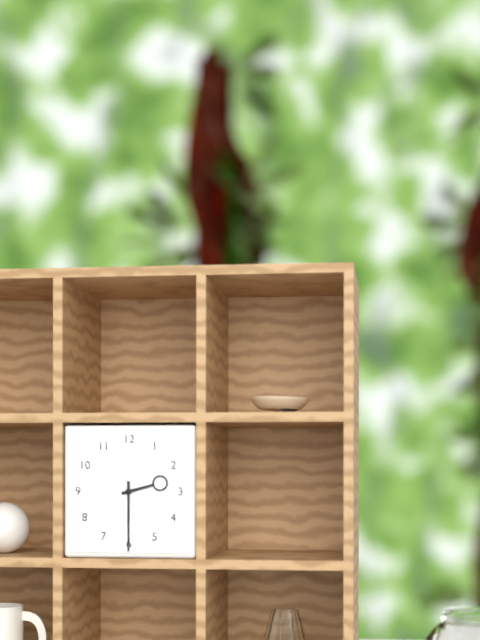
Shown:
2.30
